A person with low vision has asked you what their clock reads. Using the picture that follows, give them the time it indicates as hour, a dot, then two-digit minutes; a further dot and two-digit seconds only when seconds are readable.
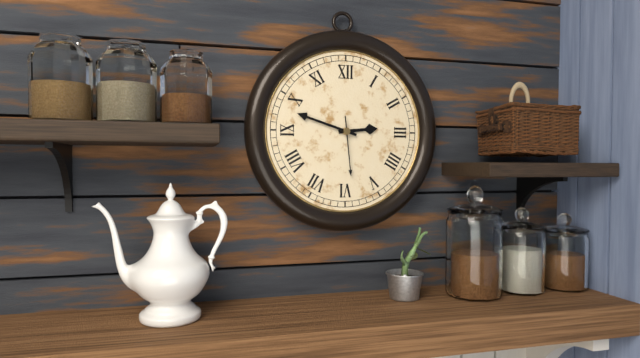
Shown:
2.48.29
